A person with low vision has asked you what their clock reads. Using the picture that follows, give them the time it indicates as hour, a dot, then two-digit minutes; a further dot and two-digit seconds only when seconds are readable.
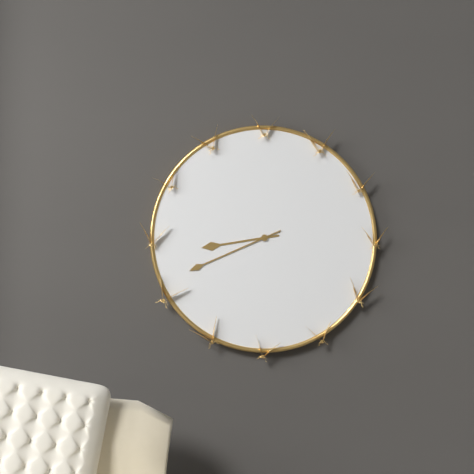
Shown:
8.41
